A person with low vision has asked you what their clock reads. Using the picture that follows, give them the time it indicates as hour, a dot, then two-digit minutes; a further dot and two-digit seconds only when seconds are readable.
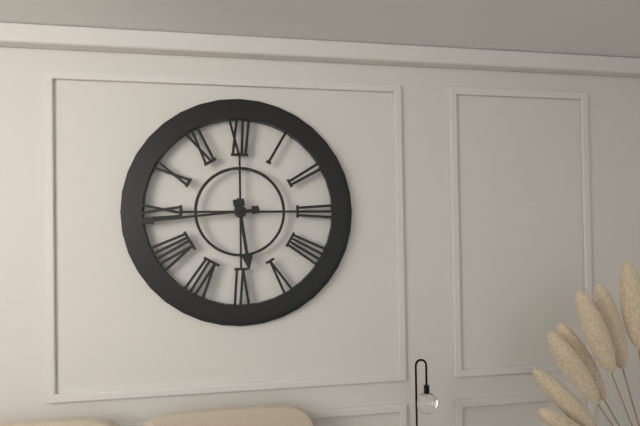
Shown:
5.44
